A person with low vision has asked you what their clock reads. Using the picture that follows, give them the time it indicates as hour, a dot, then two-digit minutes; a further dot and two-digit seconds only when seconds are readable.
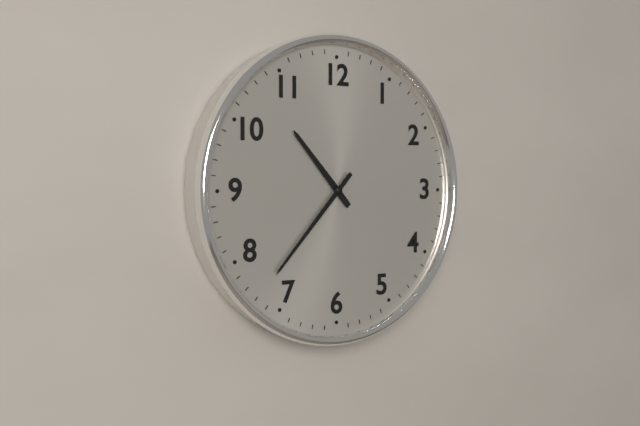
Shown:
10.37
